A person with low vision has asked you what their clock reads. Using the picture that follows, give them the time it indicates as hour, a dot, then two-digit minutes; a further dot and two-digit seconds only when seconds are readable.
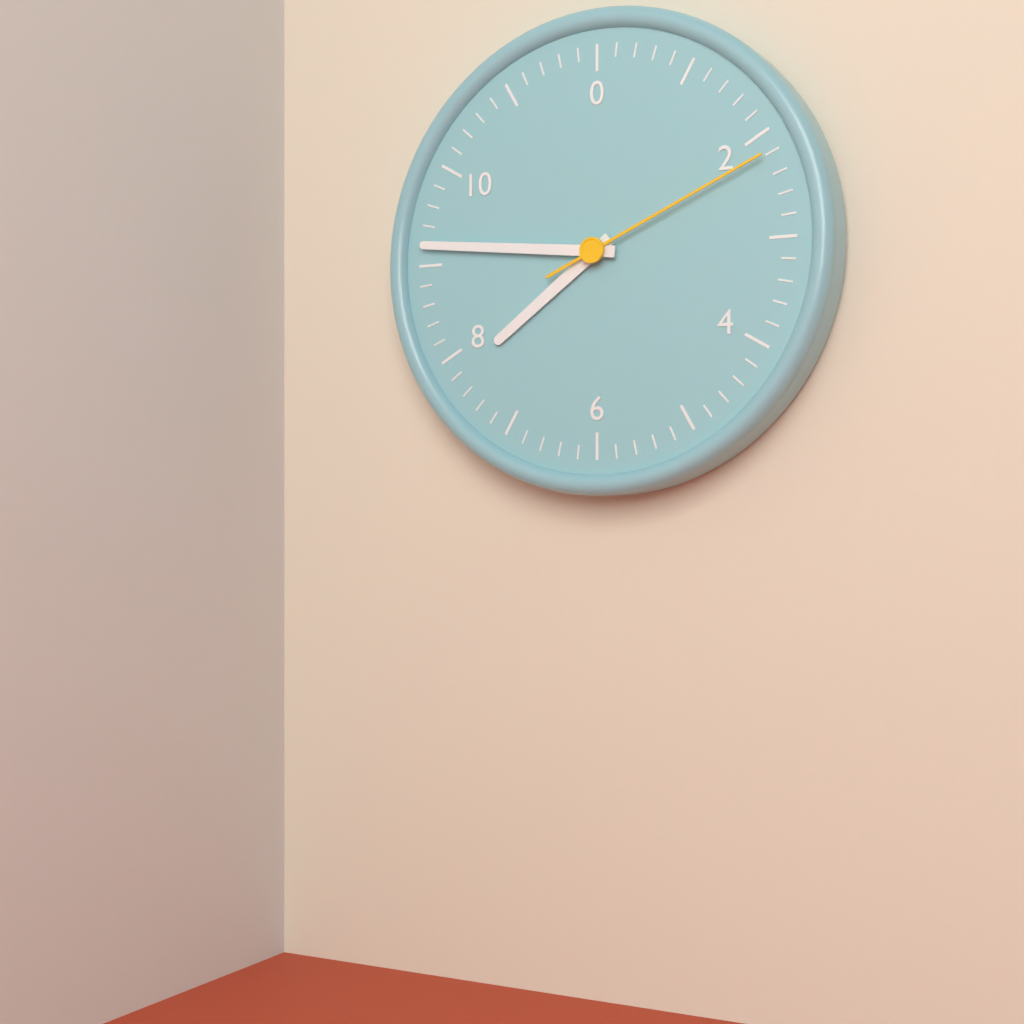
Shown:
7.46.11
